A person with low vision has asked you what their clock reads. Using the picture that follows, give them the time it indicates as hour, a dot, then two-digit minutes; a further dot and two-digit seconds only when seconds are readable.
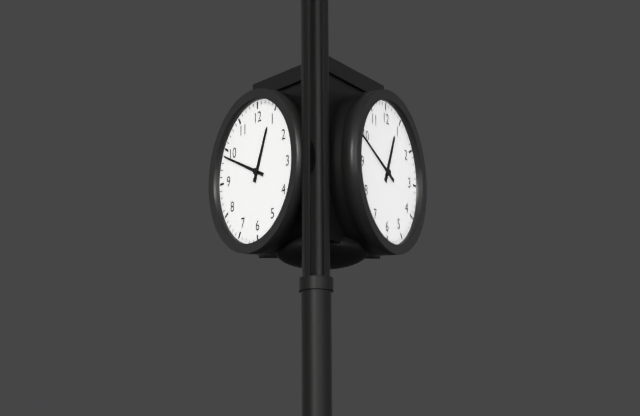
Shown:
12.49
